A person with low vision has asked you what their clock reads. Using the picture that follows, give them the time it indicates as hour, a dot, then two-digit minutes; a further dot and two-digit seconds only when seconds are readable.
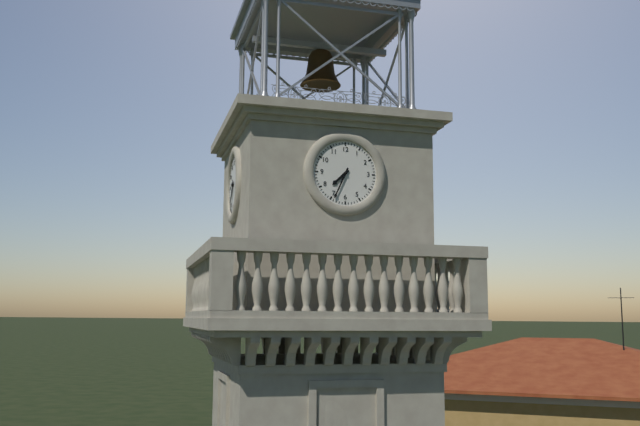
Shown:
7.34
